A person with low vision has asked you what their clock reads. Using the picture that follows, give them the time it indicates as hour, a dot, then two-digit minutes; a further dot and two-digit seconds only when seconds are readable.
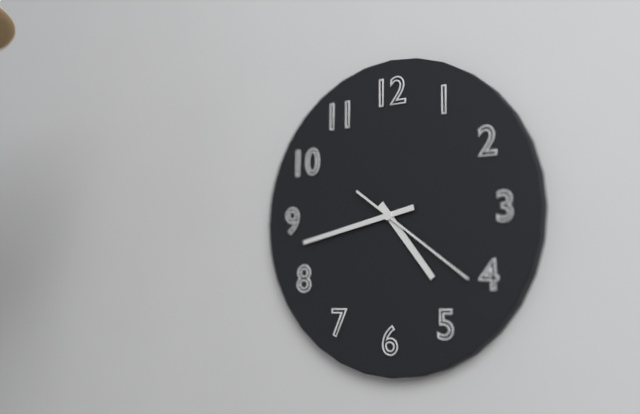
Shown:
4.43.21
